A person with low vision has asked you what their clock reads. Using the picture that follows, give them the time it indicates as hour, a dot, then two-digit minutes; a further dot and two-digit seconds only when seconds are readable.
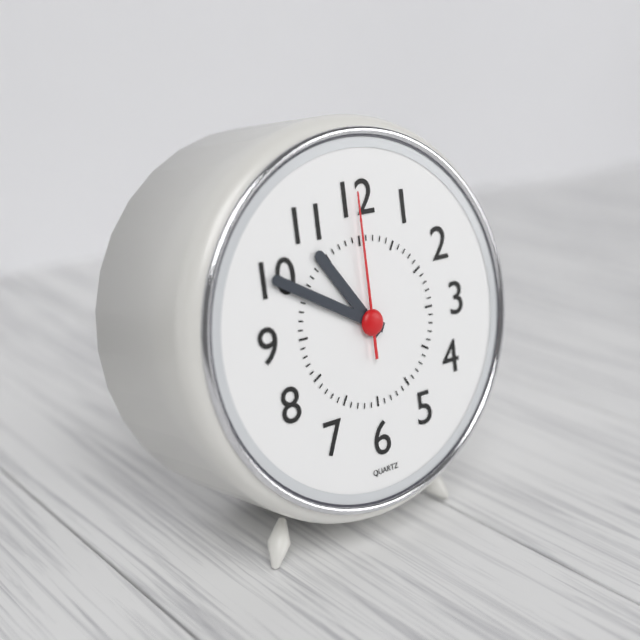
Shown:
10.50.00
